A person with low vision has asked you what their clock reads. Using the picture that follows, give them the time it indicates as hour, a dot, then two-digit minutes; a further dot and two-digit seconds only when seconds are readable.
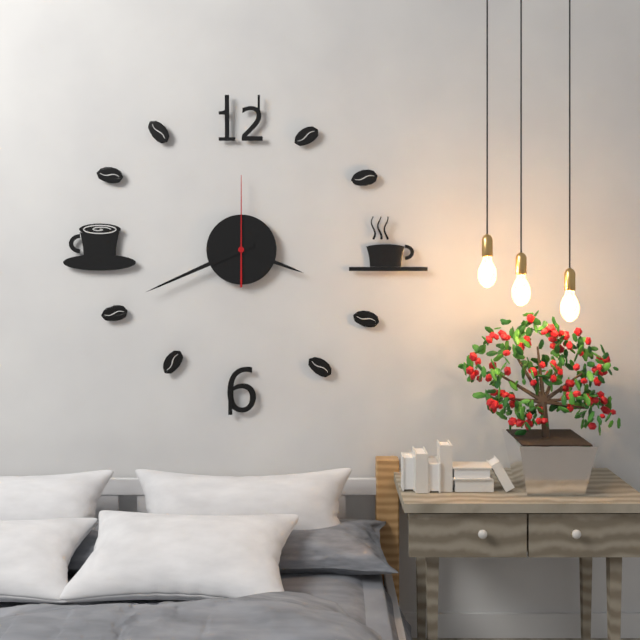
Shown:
3.41.00
